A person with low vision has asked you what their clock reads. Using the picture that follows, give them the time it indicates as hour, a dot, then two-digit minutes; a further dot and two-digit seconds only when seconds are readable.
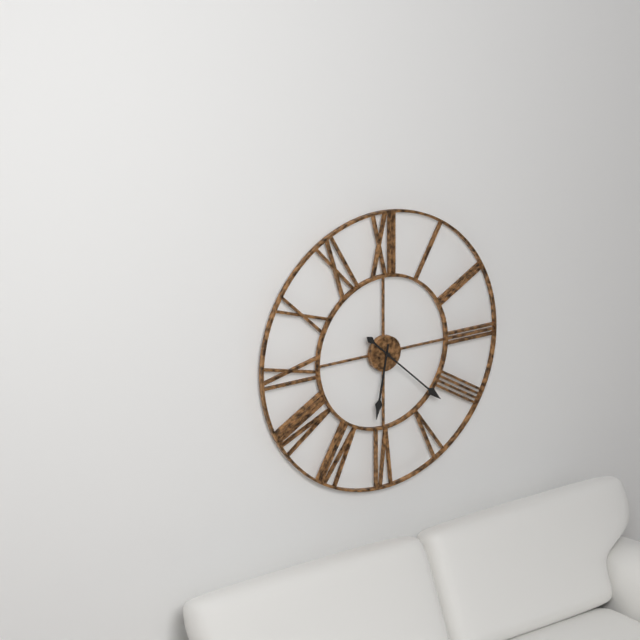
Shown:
6.22
